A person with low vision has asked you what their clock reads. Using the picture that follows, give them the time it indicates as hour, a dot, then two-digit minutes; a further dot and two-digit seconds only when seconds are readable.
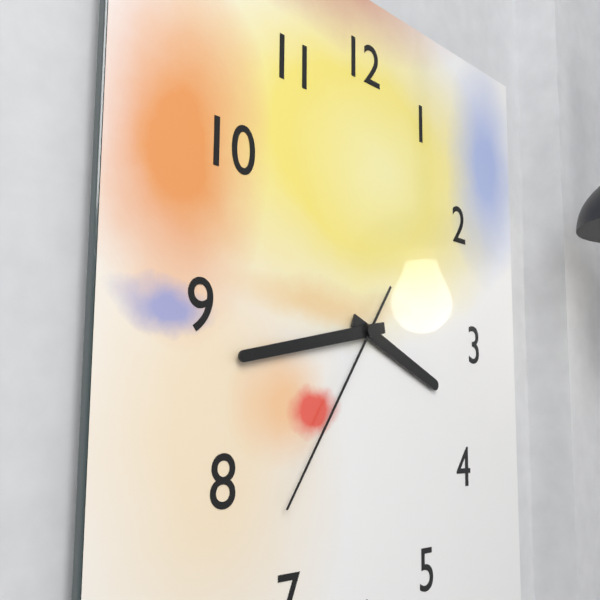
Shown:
3.43.36
